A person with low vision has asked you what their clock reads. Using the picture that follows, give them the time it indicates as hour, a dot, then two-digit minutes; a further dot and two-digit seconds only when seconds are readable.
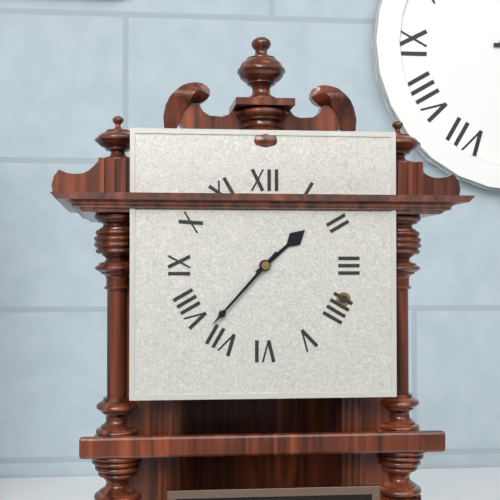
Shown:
1.37
